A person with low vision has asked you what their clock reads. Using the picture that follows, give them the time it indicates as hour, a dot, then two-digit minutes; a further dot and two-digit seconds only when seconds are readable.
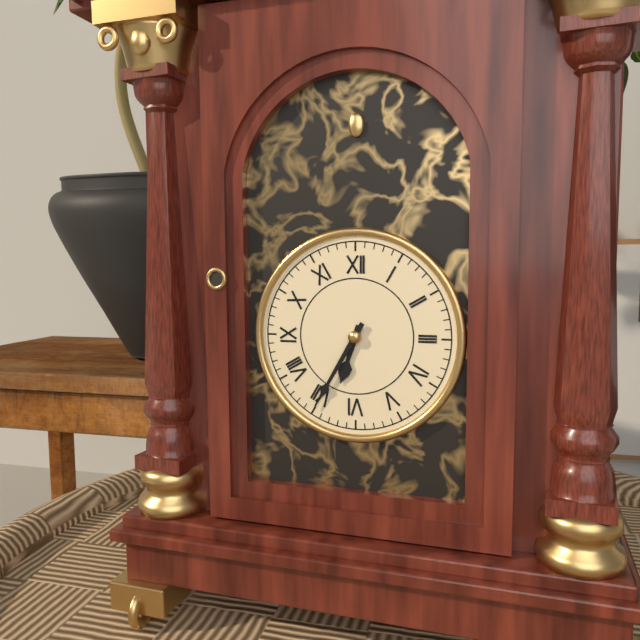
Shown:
6.35
